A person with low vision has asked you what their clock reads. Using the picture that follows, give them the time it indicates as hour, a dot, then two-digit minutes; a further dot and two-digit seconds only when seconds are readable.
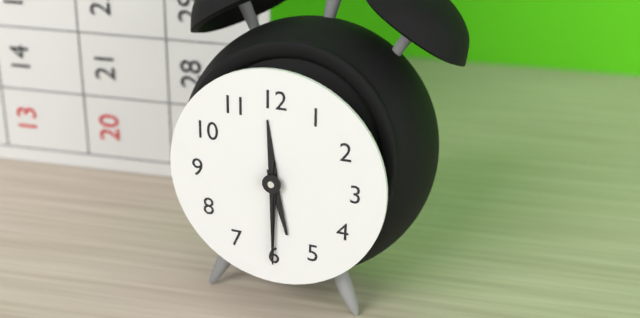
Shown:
5.30.30
